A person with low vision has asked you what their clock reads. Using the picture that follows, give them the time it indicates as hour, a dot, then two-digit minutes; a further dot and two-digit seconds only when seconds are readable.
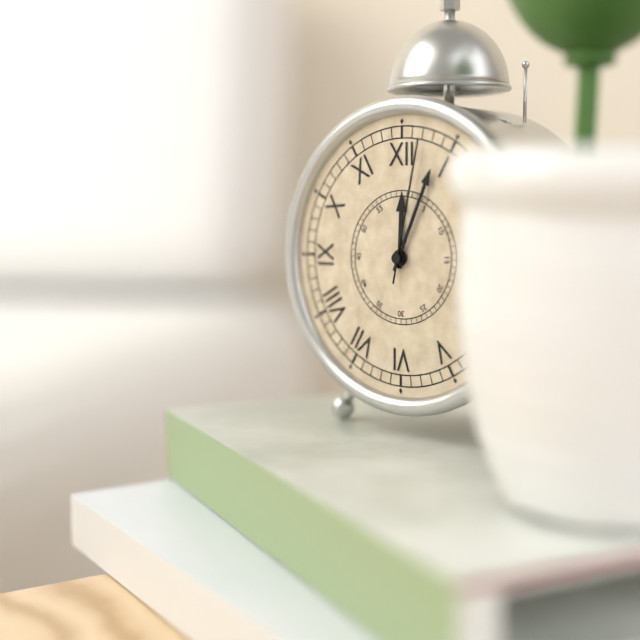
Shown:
12.04.02
